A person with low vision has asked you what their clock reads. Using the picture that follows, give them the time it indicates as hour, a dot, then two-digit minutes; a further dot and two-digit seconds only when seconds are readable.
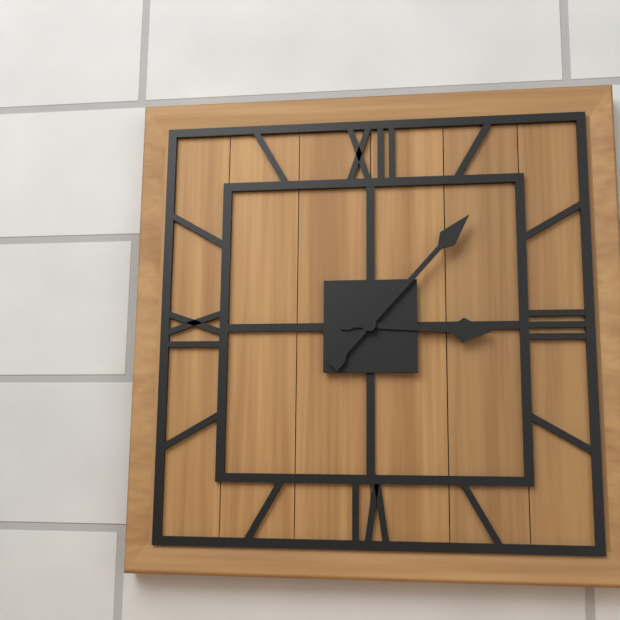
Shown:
3.07
